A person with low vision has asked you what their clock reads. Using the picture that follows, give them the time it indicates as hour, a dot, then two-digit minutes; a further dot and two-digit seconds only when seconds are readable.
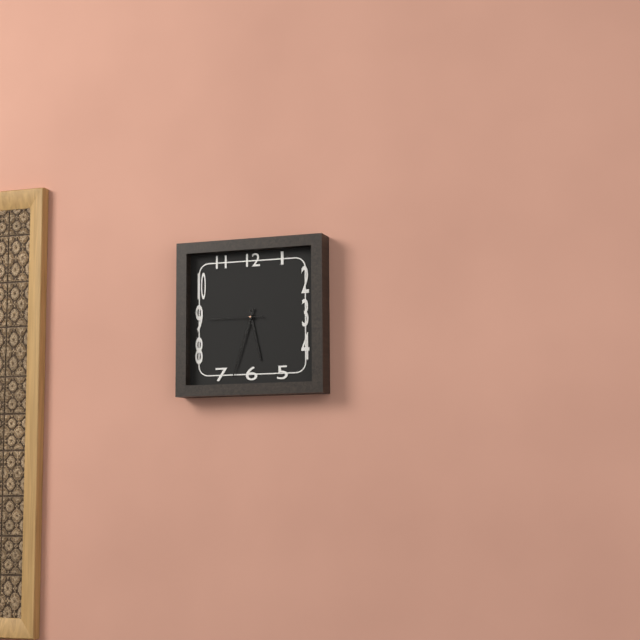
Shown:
5.33.45
